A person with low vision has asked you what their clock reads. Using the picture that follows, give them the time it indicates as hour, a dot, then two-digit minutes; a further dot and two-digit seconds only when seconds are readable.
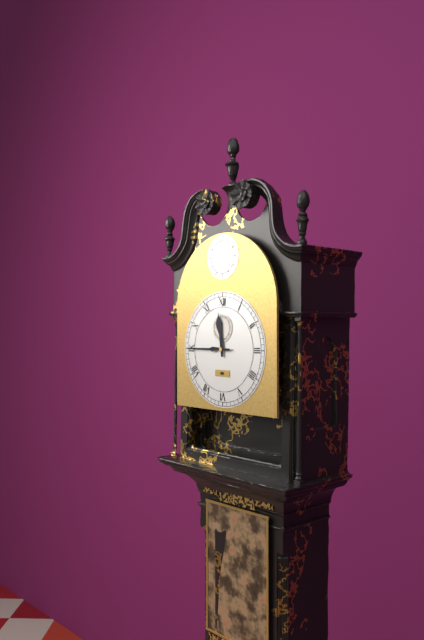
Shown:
11.45
